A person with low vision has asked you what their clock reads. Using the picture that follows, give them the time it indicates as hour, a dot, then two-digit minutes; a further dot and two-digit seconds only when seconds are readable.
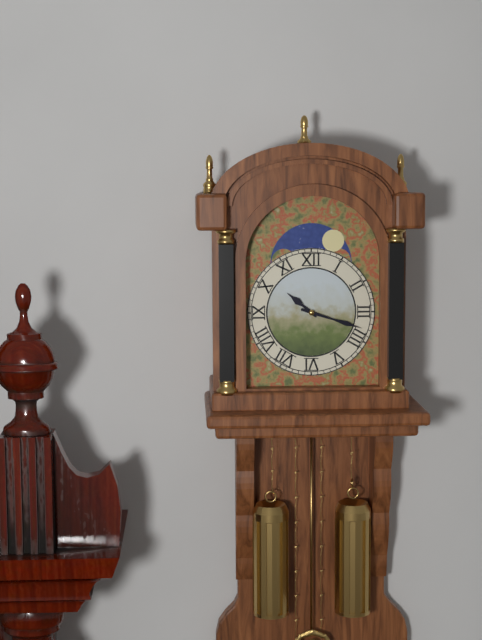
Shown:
10.18
